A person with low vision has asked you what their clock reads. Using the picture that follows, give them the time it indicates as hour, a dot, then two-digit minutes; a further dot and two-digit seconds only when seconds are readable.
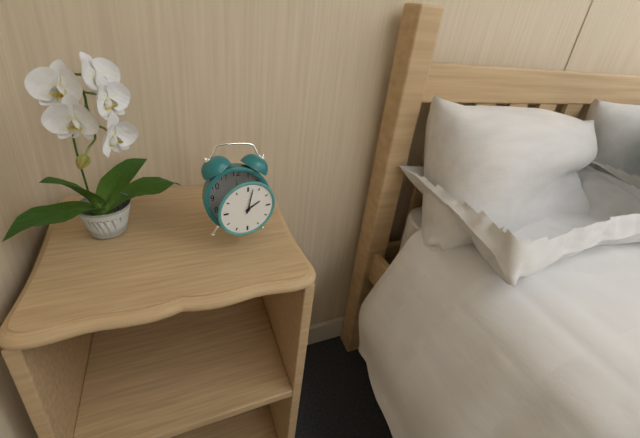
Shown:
2.02
